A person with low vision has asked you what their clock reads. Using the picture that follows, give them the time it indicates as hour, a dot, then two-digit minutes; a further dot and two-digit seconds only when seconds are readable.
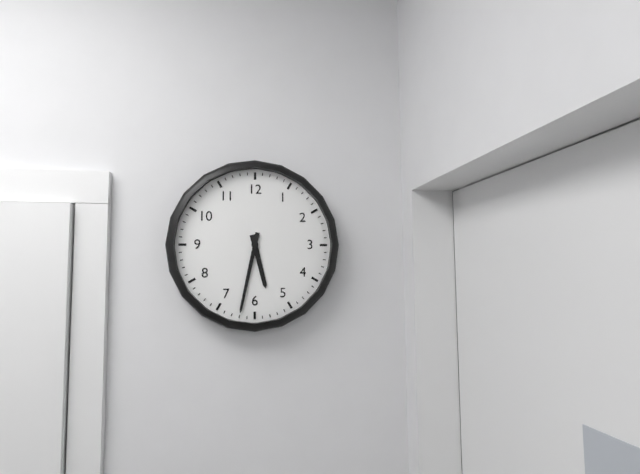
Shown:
5.32
